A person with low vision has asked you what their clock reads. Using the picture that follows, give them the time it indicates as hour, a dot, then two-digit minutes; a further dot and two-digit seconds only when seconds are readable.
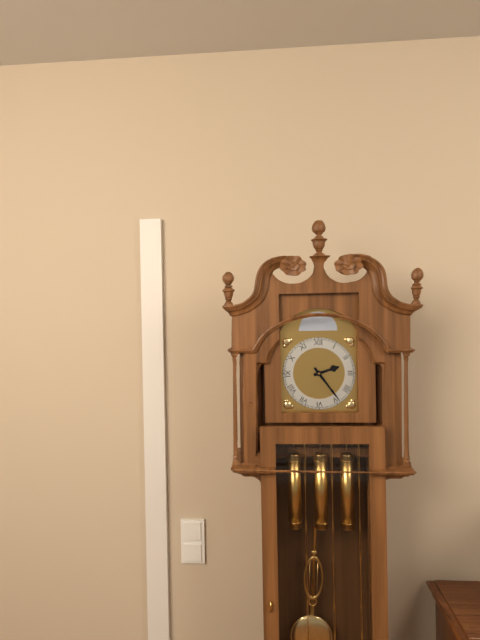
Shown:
2.24
